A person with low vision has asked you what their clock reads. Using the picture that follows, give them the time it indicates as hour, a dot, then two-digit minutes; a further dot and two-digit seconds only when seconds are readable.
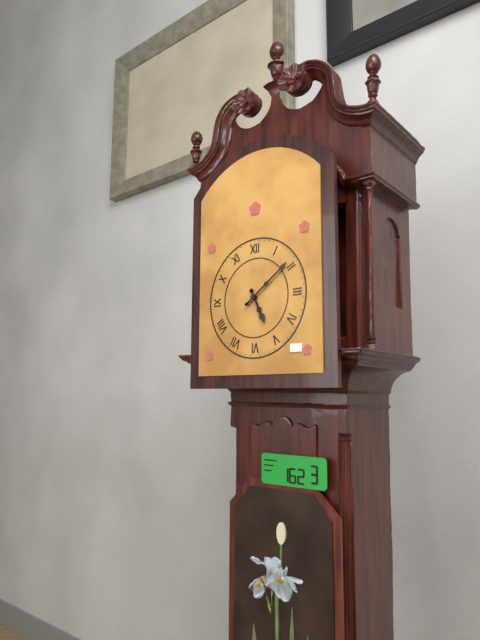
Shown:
5.09
